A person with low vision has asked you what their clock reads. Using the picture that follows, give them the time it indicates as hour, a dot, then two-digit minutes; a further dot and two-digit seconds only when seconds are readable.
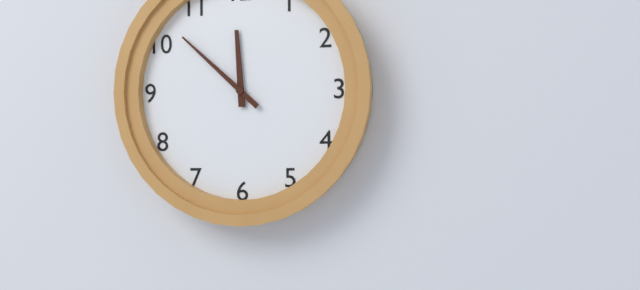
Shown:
11.52
